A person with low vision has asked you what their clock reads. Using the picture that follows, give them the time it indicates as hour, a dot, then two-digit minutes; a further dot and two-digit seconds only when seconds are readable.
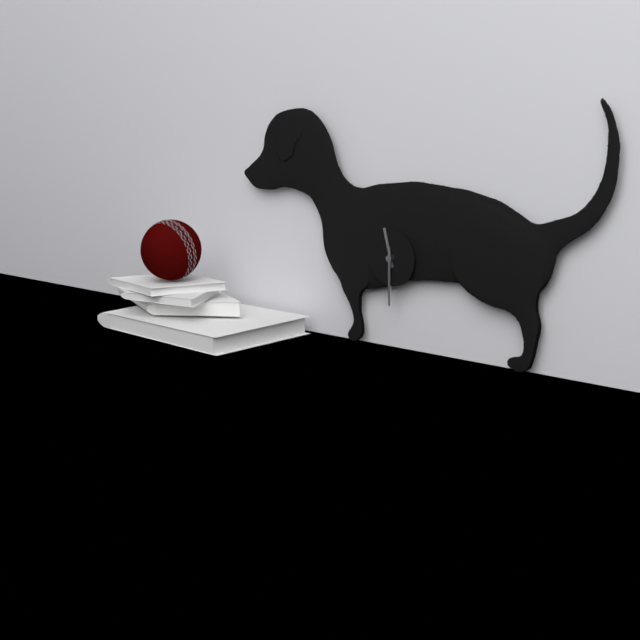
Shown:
11.30
